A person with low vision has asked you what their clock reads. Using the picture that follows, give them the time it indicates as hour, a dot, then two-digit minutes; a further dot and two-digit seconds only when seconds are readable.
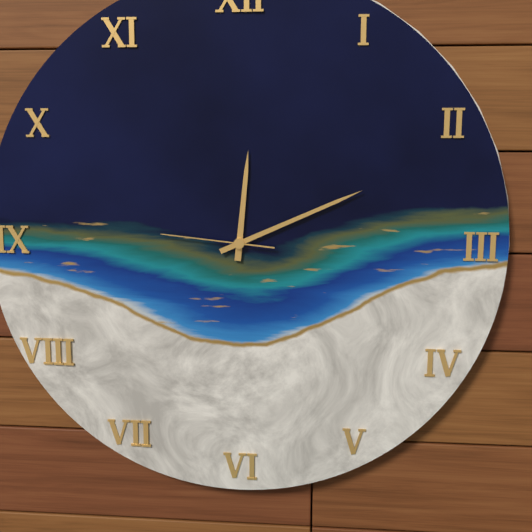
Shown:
12.11.46
